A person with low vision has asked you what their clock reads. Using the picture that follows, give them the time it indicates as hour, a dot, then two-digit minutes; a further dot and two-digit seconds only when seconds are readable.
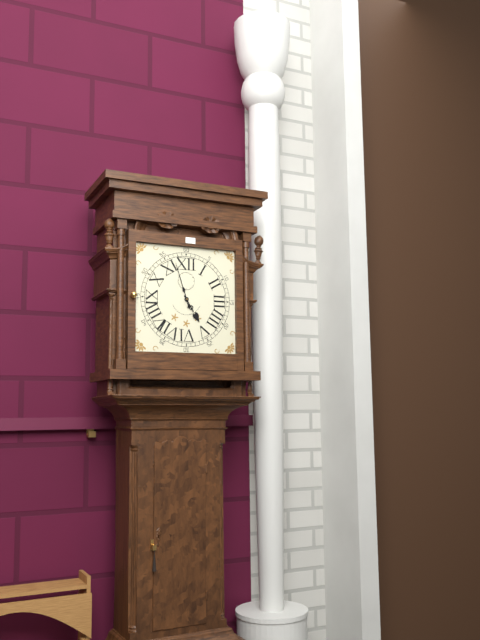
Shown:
4.57
